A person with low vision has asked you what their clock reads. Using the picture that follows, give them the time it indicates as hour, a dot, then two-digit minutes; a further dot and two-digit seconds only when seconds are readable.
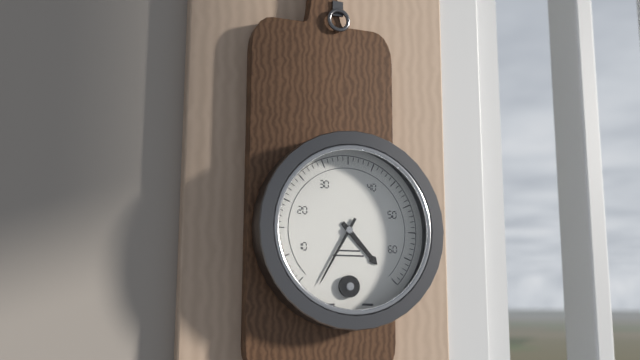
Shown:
4.35
